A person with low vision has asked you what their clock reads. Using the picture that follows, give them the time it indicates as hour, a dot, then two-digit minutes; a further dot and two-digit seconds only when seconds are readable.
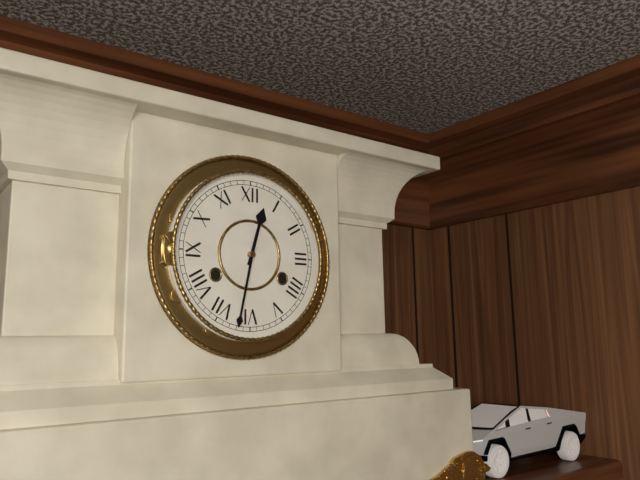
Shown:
12.32
